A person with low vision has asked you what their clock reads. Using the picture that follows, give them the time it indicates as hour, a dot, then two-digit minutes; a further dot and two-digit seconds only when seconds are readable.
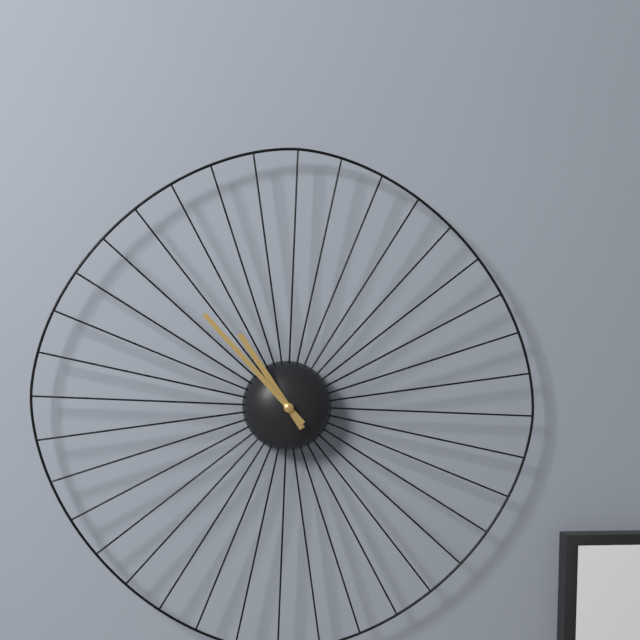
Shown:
10.53
